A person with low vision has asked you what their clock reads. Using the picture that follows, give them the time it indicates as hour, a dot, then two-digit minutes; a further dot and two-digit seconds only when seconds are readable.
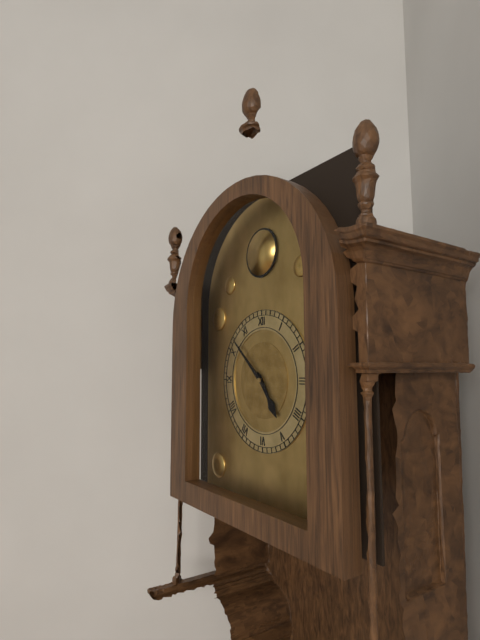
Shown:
4.52
